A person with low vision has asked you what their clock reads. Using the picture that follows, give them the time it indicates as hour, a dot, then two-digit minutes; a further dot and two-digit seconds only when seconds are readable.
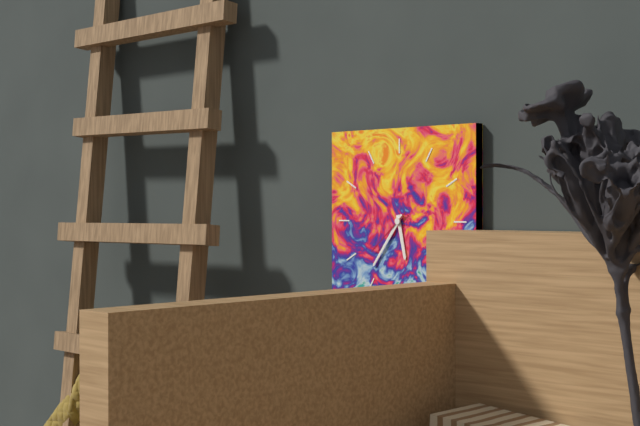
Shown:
5.36.38
